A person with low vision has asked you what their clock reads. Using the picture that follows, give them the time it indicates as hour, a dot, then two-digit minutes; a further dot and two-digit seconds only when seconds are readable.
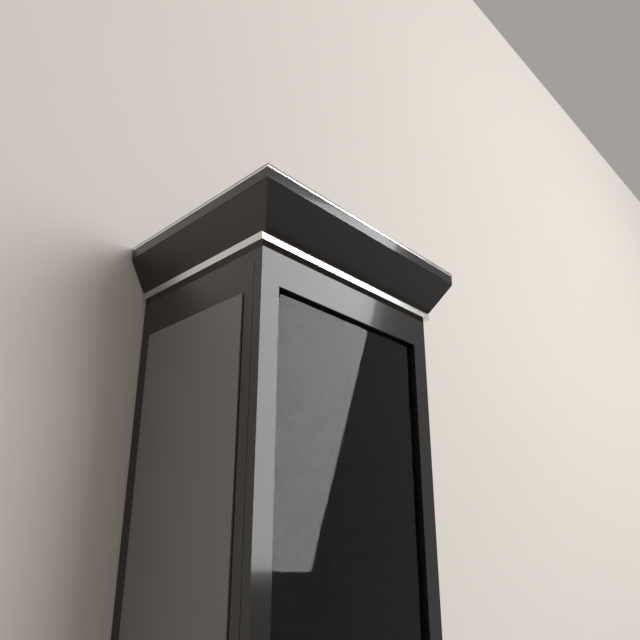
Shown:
7.59
